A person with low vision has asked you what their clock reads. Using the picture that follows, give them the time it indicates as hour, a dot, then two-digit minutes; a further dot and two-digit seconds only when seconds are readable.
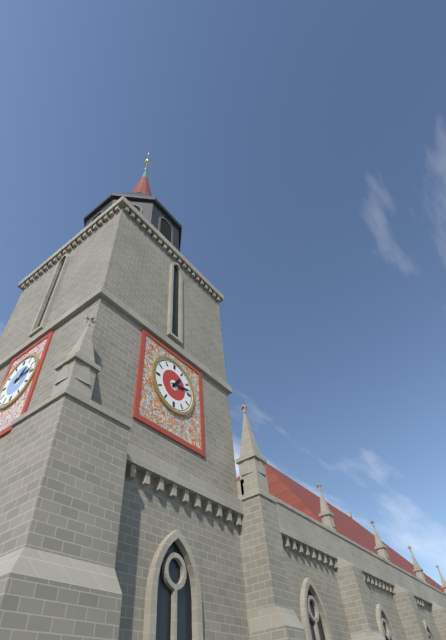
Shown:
1.13
